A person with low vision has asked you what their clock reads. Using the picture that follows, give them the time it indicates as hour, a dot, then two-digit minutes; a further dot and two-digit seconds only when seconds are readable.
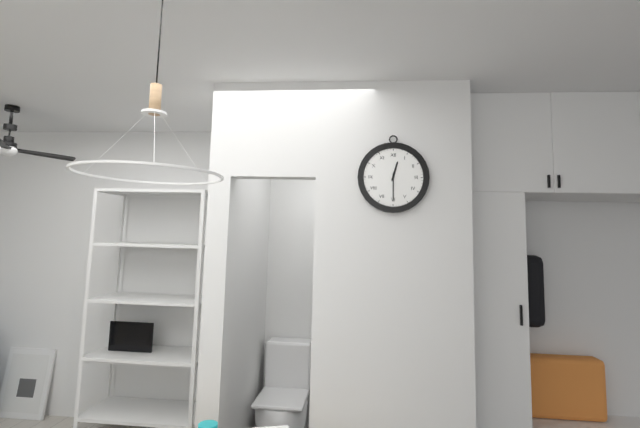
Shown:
12.30
